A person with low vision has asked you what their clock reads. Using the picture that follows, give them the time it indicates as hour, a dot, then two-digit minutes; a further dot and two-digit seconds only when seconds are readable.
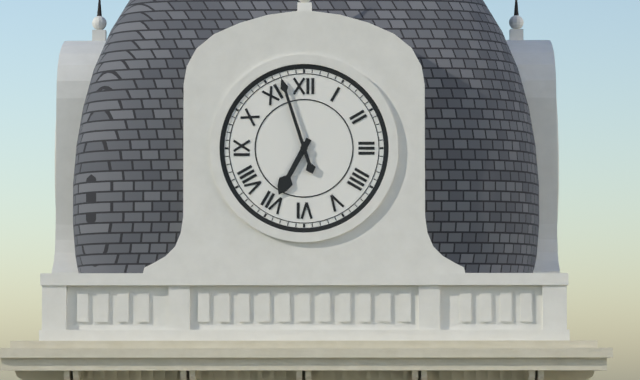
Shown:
6.57
